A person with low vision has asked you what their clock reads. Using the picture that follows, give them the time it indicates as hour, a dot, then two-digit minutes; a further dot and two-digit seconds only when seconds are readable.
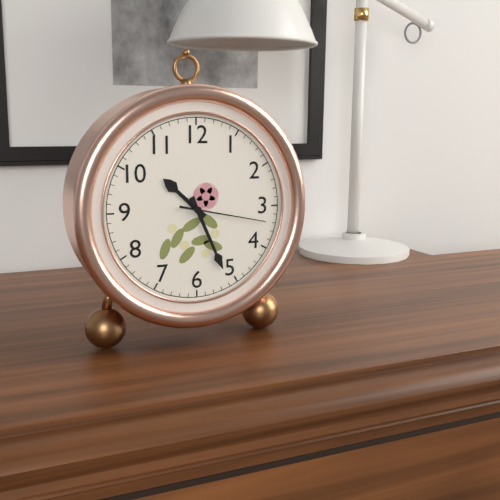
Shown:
10.26.17
